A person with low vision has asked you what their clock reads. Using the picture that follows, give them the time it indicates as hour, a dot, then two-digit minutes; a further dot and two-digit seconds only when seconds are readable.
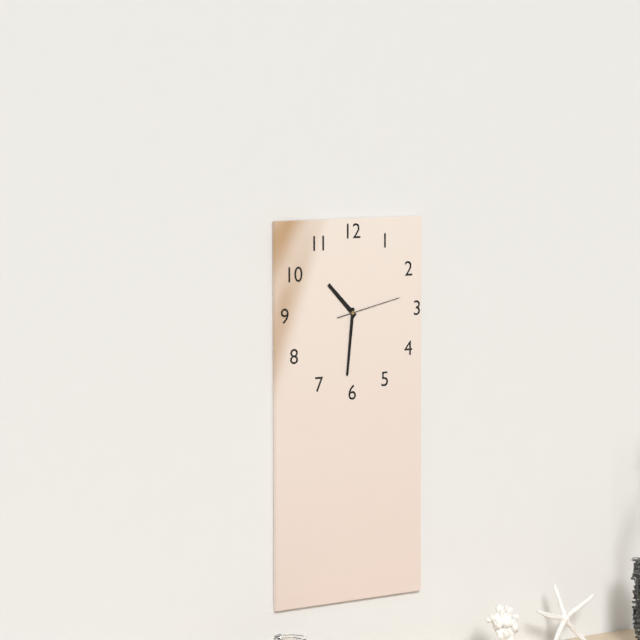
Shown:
10.31.13
